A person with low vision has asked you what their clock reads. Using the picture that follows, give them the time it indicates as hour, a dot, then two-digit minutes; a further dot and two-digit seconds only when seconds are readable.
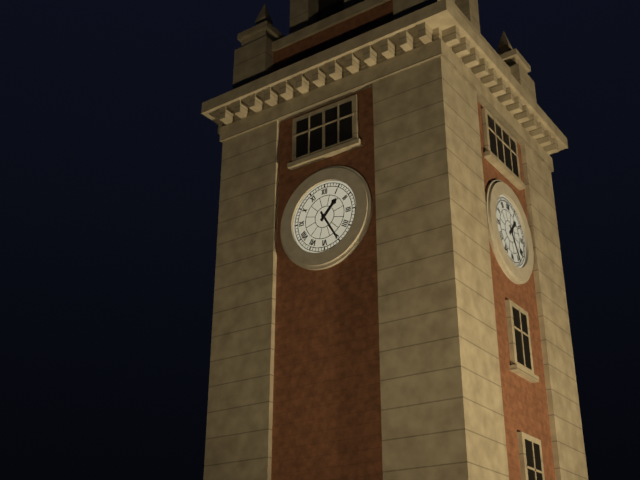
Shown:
1.25
